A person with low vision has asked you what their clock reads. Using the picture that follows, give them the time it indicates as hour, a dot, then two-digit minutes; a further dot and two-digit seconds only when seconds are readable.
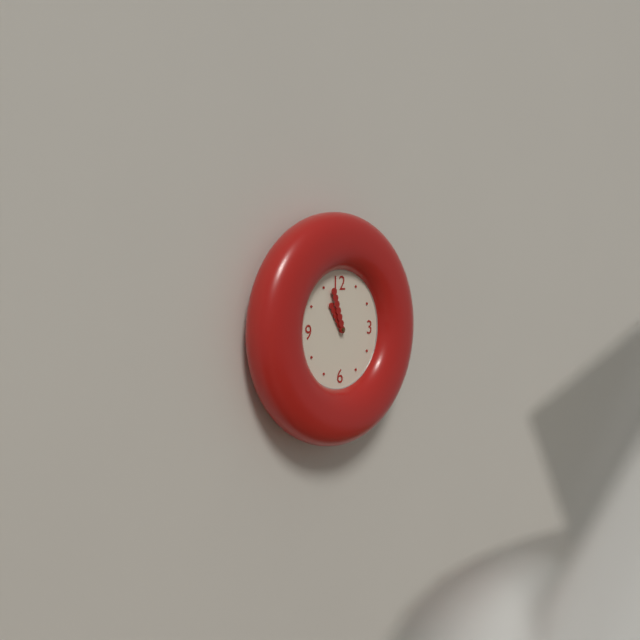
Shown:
10.57
